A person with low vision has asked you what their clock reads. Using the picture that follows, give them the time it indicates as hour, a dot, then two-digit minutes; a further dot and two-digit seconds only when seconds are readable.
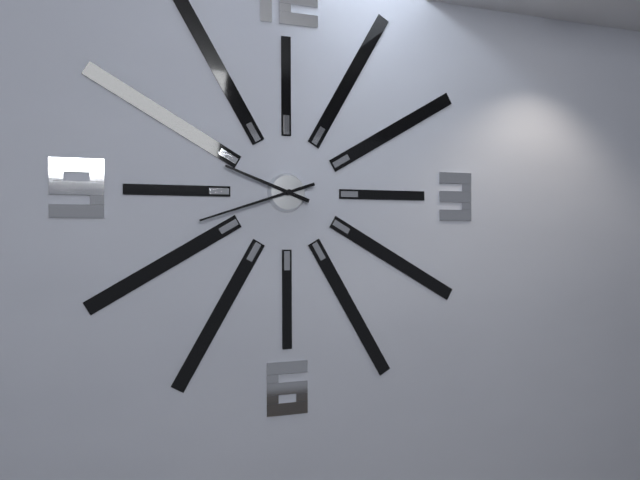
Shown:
9.42
